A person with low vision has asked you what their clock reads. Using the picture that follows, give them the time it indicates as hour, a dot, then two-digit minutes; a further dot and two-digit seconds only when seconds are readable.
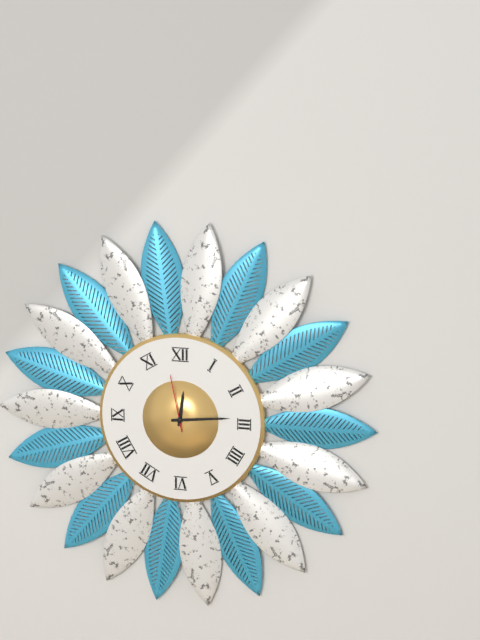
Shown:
12.14.58
